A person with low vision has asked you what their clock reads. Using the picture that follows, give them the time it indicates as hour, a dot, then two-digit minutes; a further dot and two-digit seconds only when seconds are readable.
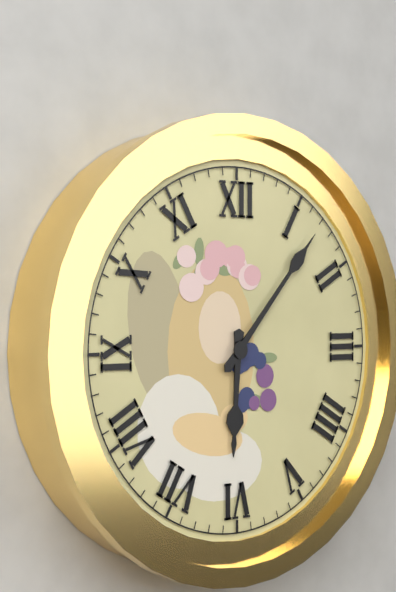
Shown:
6.07
